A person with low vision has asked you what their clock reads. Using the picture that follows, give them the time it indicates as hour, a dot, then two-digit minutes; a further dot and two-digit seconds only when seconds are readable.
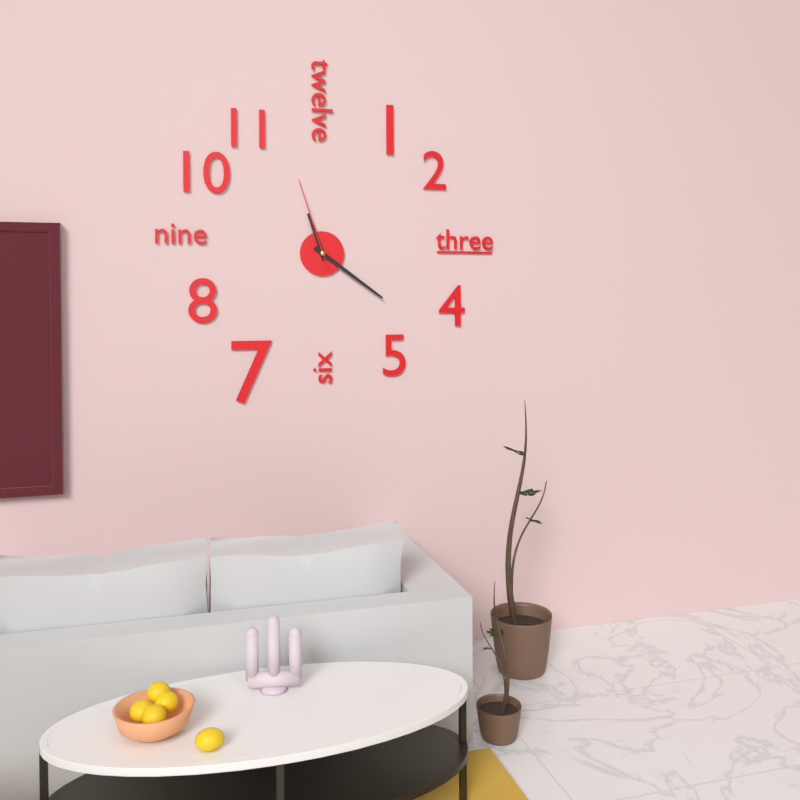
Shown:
11.21.57
